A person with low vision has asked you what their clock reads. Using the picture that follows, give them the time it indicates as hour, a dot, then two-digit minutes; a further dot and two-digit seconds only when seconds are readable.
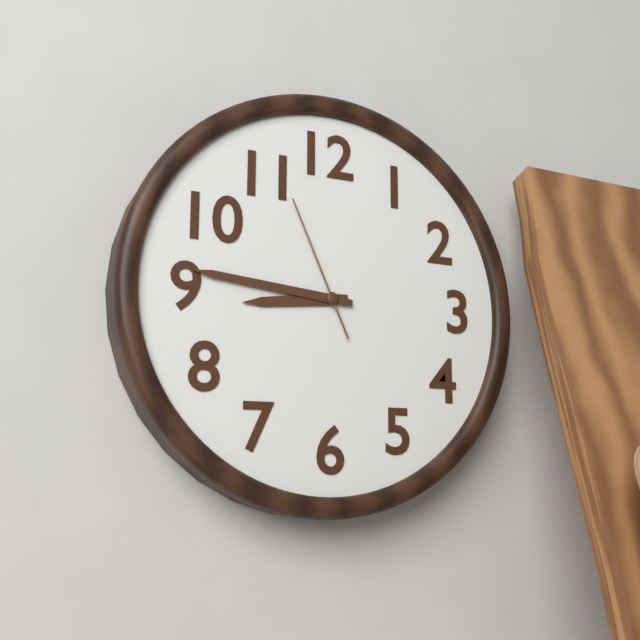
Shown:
8.46.56
